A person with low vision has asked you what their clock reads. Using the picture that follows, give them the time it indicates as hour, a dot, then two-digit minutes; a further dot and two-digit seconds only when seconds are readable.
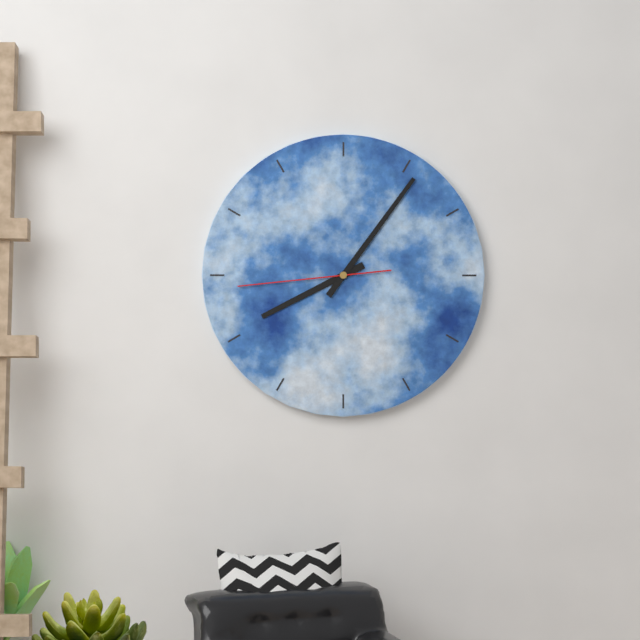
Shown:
8.06.44
